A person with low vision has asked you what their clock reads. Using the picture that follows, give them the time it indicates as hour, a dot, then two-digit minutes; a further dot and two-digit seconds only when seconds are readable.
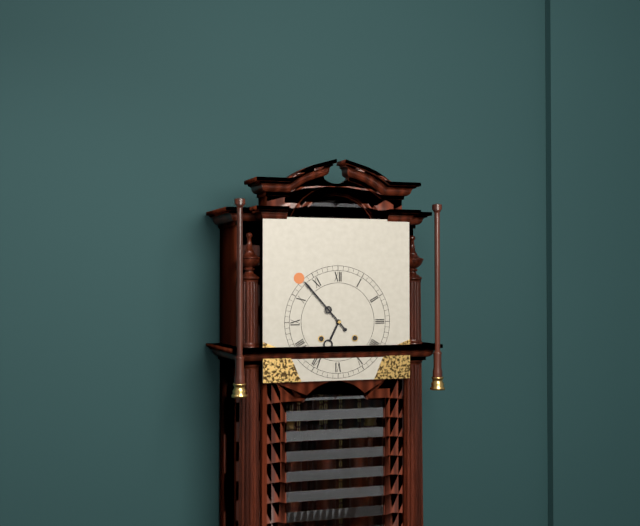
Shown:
6.53
